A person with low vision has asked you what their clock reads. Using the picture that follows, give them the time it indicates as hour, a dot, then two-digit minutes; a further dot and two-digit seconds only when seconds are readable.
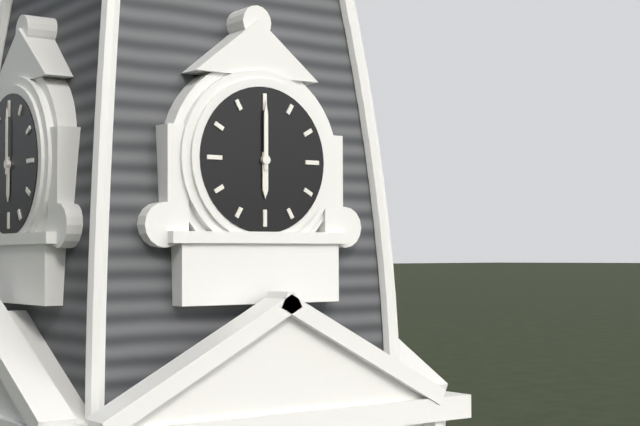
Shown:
6.00
